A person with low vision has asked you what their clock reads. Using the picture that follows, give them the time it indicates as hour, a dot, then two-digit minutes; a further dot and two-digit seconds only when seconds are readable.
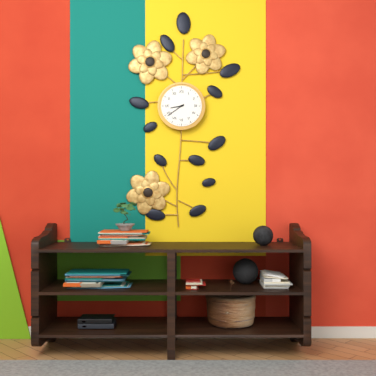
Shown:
8.39
